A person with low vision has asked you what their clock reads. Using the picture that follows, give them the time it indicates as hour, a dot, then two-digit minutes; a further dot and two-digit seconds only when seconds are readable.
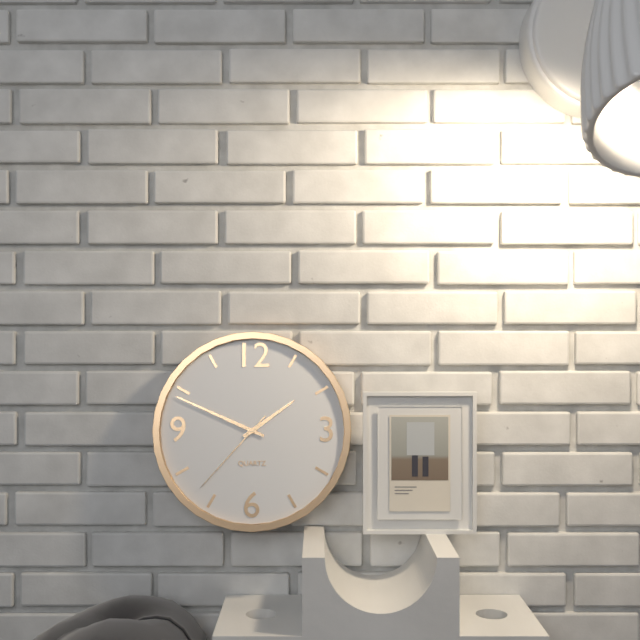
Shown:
1.49.37
